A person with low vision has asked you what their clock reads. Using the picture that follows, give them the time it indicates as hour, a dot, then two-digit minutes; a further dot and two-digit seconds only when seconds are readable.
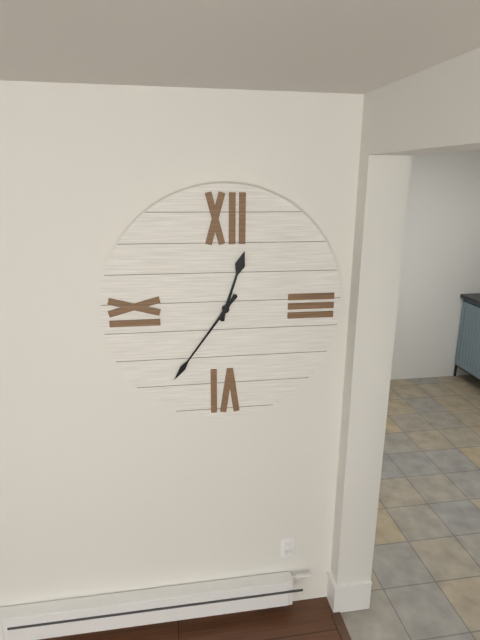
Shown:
12.36
